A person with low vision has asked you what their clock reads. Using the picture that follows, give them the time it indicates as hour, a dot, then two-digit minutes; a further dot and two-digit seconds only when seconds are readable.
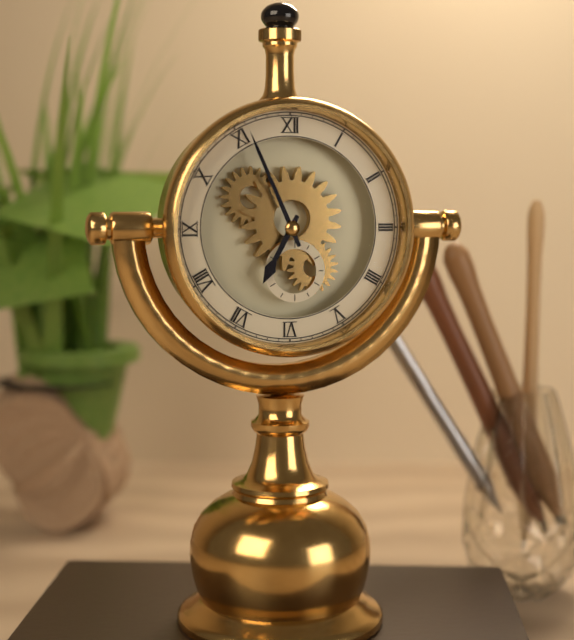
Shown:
6.56
